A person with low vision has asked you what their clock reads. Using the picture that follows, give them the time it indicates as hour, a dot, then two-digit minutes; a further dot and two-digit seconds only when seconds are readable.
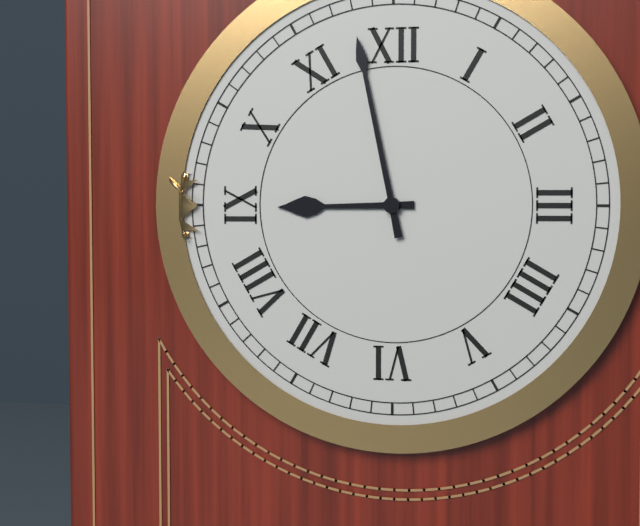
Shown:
8.58
